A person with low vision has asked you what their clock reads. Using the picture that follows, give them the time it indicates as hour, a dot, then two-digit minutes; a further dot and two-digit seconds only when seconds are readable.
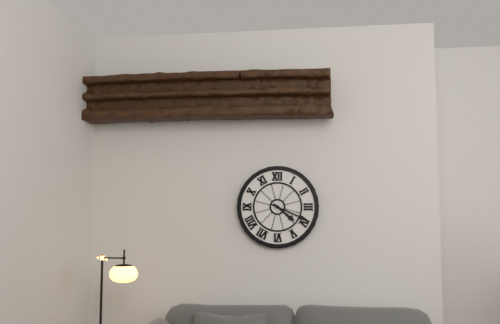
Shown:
4.19
